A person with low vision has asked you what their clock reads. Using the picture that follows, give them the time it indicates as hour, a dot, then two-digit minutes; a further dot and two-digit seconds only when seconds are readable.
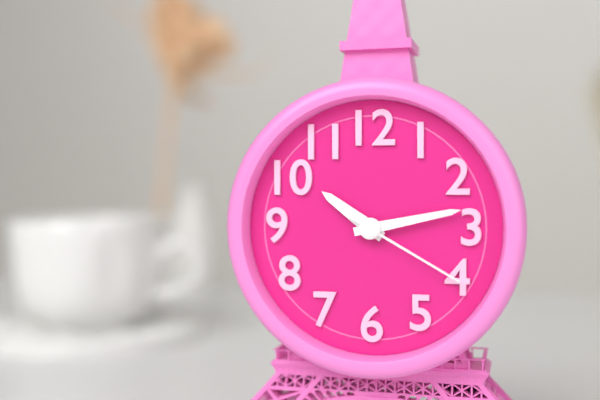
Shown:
10.13.20
